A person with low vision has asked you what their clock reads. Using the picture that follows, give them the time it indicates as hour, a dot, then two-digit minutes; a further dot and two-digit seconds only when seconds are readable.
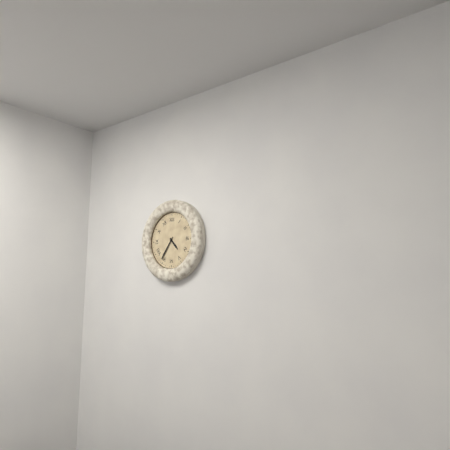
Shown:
4.36
